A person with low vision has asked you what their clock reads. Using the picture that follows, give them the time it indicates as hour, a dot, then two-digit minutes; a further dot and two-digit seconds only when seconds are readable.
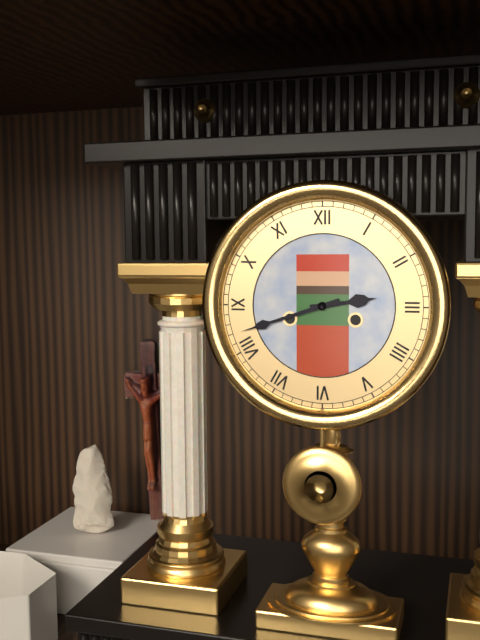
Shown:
2.42
